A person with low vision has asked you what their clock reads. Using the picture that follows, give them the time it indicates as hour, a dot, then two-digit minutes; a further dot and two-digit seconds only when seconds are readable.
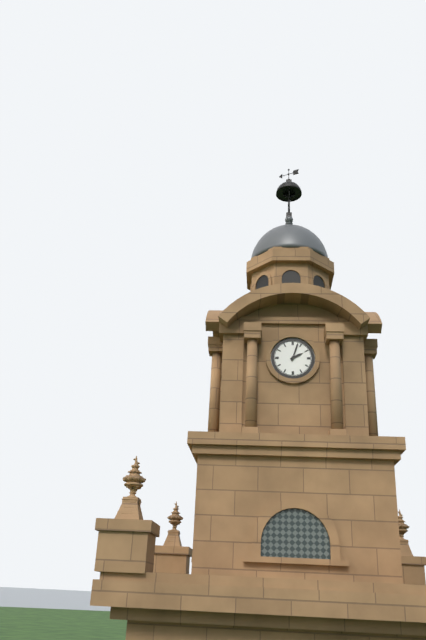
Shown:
2.03
